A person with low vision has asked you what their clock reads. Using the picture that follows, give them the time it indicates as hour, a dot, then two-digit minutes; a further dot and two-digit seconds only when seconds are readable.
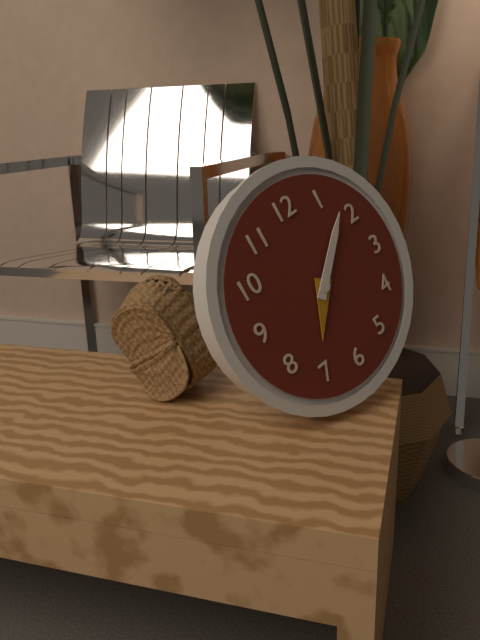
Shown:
7.08
